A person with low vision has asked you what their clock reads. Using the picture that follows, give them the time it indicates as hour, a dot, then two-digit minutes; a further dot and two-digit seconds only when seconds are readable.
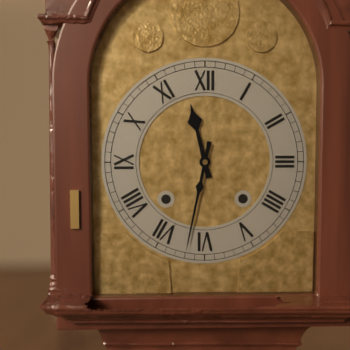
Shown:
11.32
